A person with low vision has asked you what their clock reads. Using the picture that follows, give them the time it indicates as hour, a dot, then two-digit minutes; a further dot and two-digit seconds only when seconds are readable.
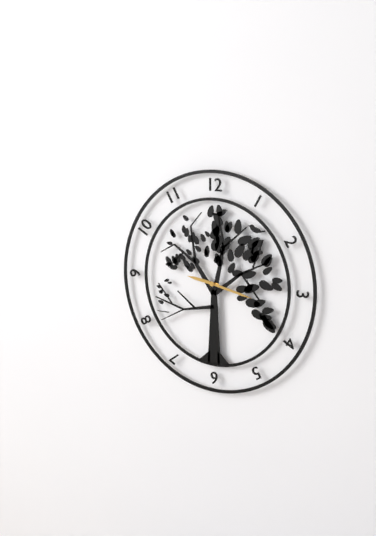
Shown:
9.17
